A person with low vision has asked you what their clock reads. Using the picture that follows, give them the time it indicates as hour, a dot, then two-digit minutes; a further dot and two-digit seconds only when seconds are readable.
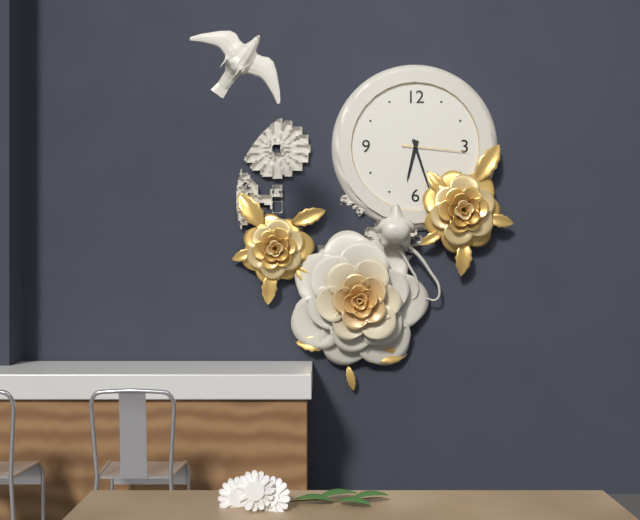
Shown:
6.27.16
